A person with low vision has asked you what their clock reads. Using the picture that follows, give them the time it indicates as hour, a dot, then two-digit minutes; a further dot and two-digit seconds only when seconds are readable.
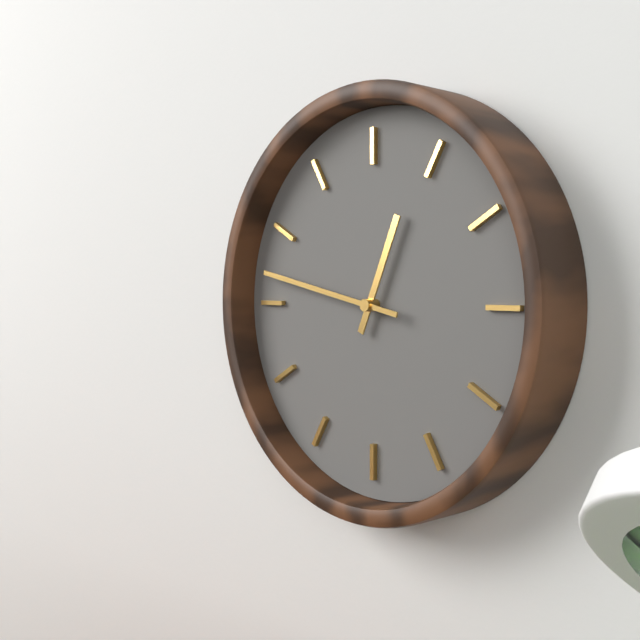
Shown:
12.47
